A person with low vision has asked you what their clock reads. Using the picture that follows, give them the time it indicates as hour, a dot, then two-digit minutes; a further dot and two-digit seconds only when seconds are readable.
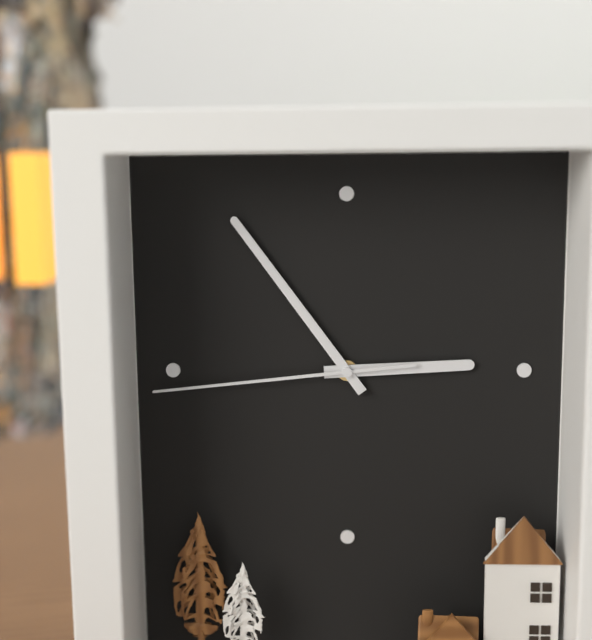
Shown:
2.54.44
